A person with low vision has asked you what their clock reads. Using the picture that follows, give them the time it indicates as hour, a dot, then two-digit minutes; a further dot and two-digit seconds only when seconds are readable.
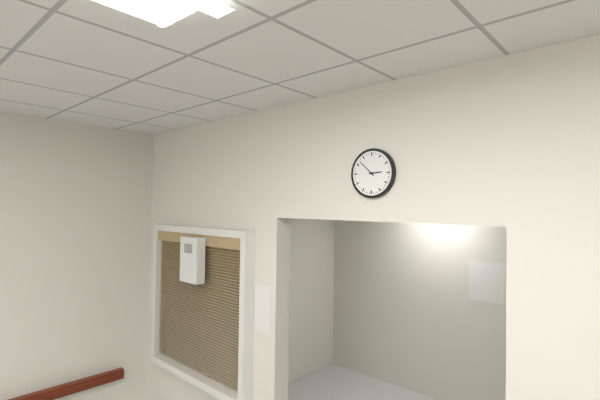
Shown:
2.52
